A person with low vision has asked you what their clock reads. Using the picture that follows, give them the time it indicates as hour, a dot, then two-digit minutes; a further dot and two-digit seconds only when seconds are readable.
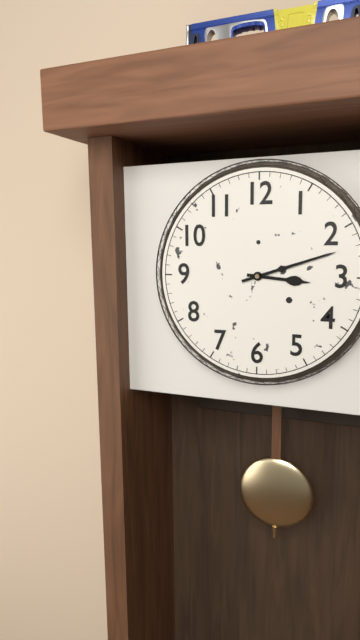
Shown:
3.12
